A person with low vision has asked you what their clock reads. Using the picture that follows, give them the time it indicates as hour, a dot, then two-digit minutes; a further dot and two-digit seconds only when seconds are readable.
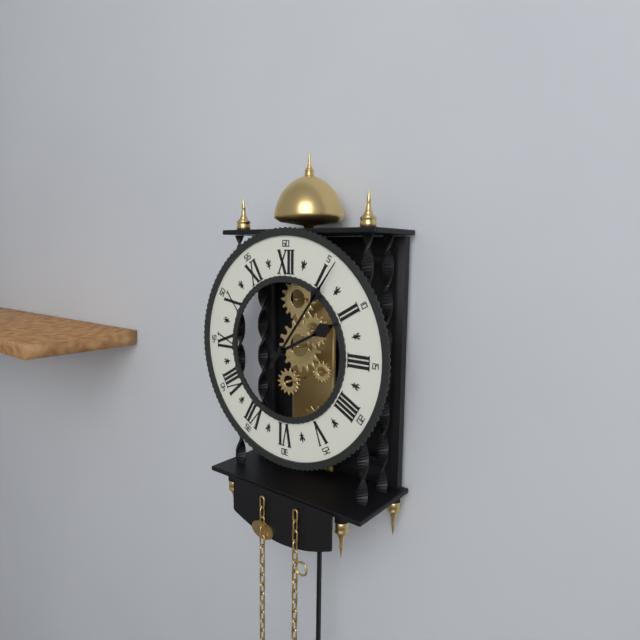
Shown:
2.06
